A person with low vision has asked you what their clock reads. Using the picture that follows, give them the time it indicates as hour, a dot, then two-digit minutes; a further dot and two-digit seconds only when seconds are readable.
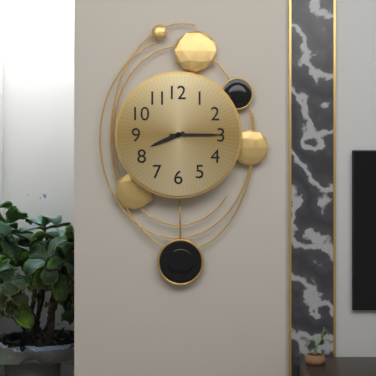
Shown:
8.15
